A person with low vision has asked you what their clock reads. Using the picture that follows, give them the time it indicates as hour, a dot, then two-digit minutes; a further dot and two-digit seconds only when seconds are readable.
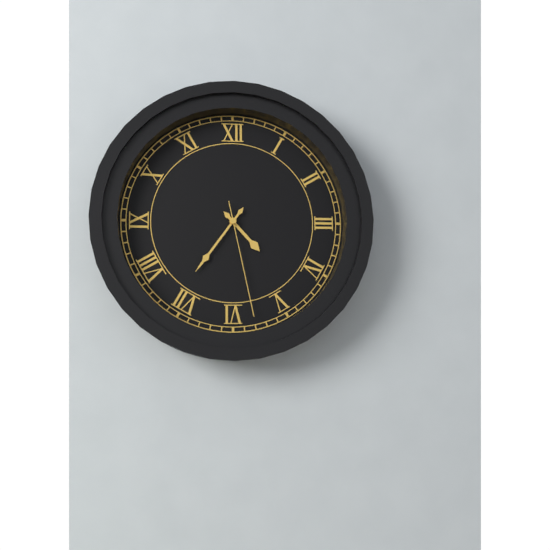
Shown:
4.36.28
